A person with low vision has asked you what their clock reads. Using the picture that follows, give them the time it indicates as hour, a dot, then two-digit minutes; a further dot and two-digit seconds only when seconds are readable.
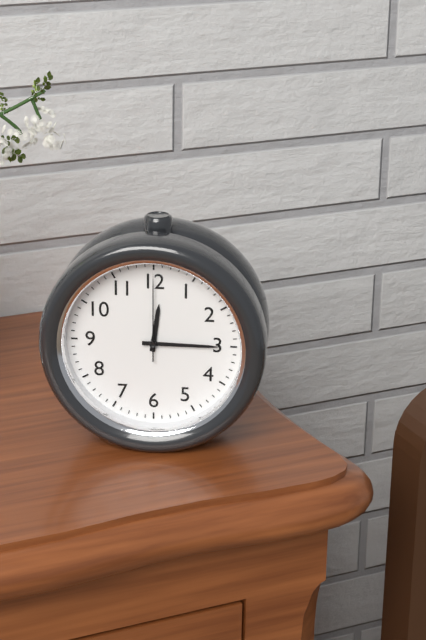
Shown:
12.15.00
